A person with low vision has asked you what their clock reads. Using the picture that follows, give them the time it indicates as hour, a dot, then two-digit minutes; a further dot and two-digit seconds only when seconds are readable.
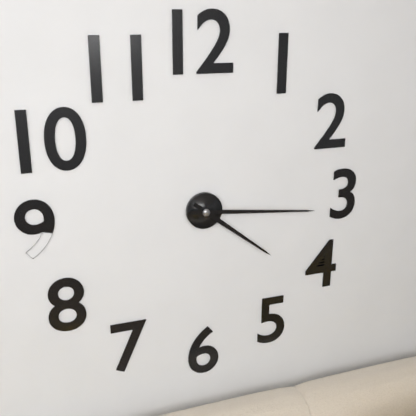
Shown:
4.16
